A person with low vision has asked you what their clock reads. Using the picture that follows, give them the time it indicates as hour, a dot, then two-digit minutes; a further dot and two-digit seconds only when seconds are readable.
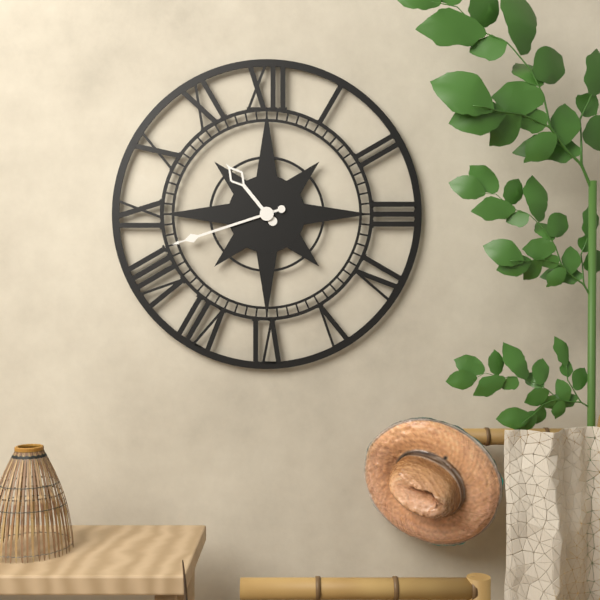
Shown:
10.42
